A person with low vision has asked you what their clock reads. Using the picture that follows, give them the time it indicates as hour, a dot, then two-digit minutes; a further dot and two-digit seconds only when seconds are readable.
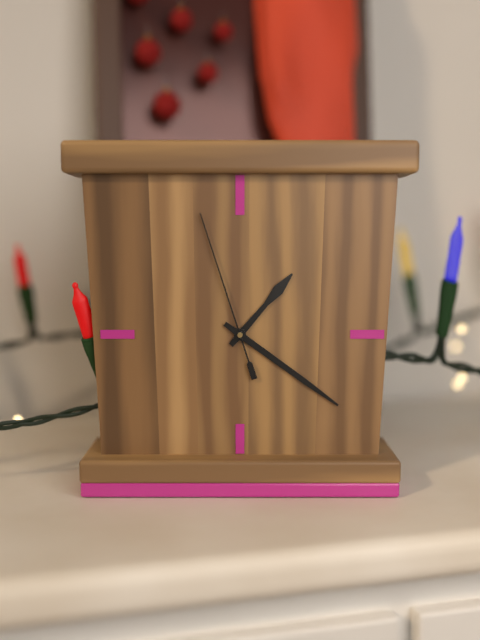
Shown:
1.21.57
